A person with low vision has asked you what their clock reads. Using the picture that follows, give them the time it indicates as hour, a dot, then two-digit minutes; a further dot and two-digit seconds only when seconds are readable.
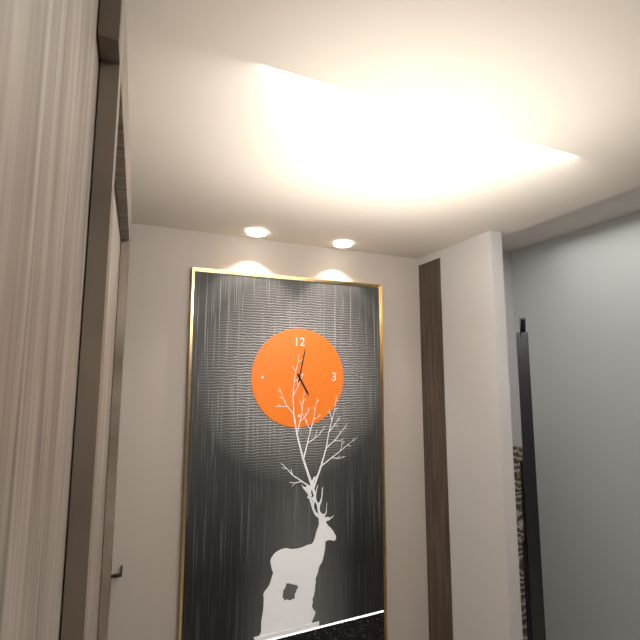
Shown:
5.02
